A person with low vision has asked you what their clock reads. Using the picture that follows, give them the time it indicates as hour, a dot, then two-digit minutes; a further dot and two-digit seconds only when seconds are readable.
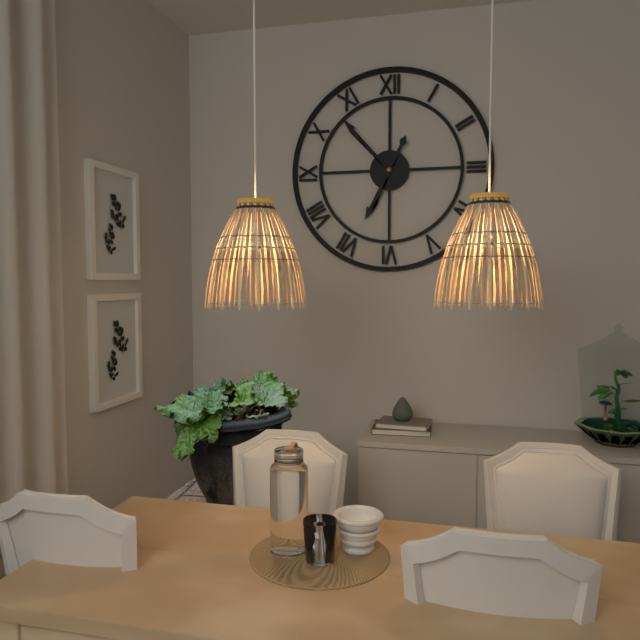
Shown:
6.53
